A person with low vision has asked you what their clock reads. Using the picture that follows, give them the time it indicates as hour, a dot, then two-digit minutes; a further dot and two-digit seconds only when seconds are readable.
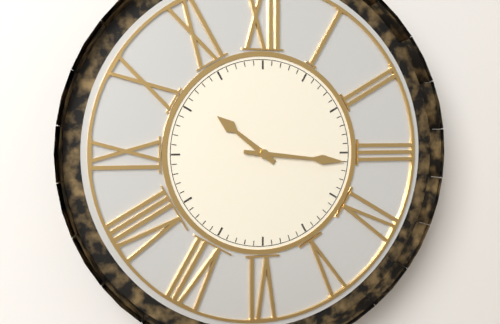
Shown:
10.16
